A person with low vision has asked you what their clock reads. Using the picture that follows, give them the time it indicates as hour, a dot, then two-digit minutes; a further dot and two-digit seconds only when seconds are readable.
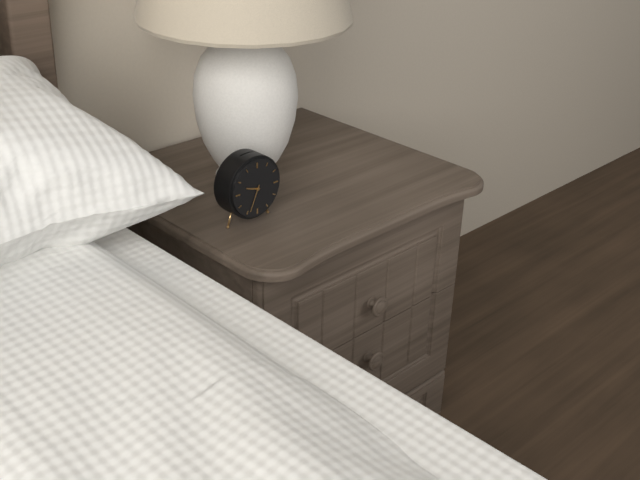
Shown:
9.34
